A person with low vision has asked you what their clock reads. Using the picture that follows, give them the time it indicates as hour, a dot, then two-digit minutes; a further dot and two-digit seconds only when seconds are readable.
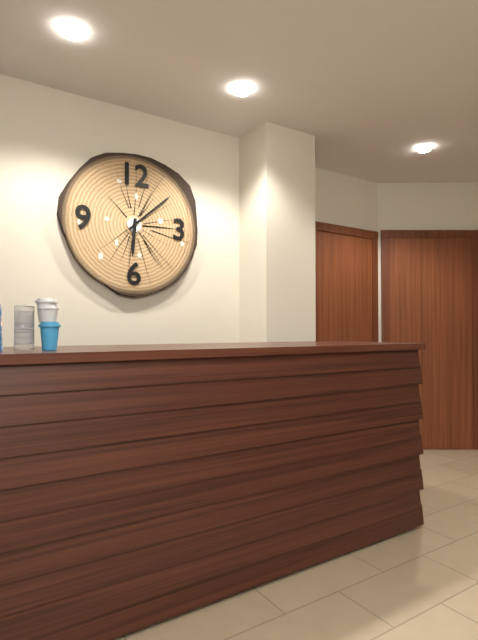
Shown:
6.08
